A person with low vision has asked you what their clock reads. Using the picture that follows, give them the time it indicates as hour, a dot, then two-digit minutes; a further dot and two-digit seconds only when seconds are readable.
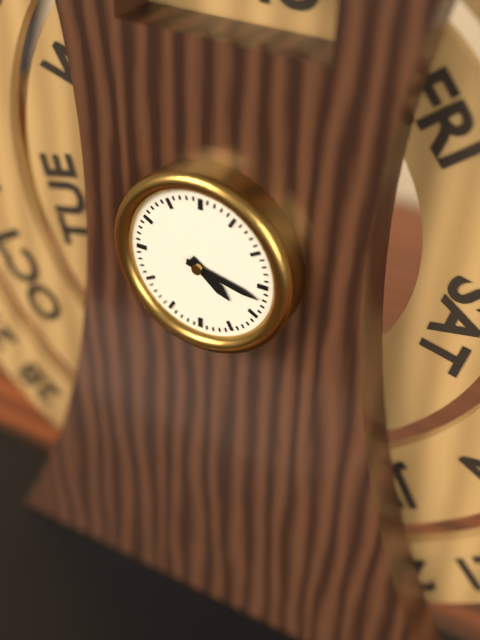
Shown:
4.17
